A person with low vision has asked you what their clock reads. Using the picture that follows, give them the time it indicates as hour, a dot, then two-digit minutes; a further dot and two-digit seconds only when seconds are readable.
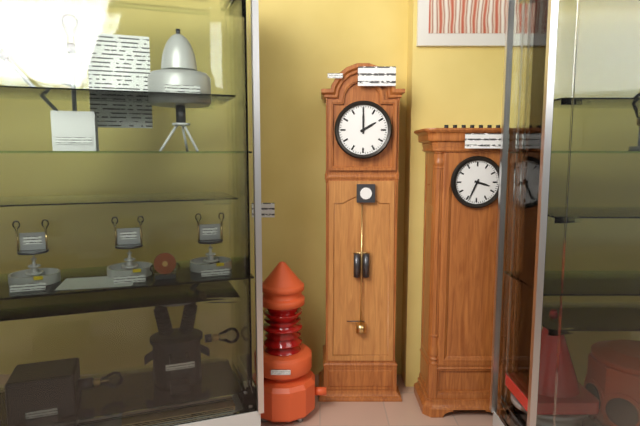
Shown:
2.00
